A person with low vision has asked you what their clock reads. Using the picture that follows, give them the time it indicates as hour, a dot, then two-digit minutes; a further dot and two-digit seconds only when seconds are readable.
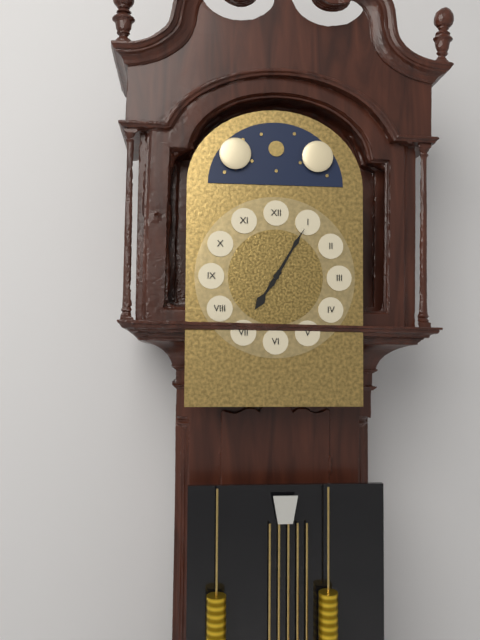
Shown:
7.05
